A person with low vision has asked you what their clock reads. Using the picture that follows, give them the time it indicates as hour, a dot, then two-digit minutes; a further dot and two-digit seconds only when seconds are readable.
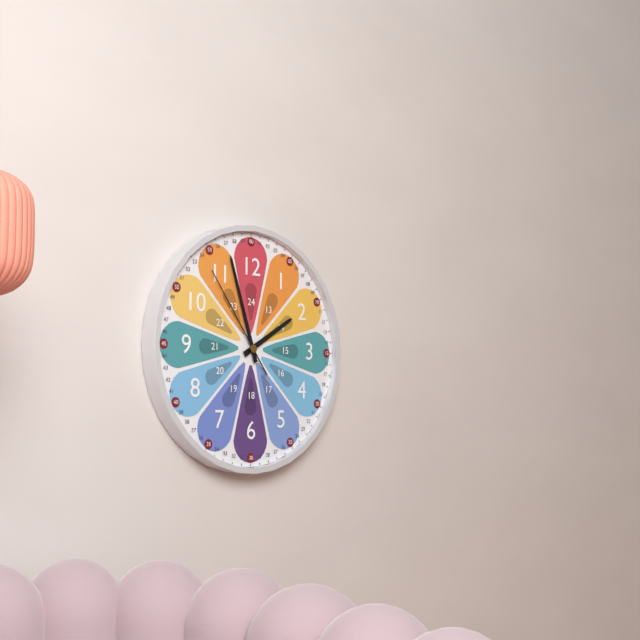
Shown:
1.57.54
